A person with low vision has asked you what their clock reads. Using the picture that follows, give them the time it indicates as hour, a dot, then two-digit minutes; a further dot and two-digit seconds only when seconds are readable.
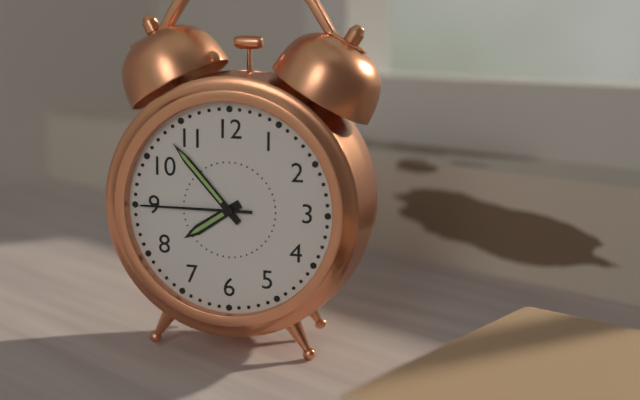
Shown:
7.53.45
